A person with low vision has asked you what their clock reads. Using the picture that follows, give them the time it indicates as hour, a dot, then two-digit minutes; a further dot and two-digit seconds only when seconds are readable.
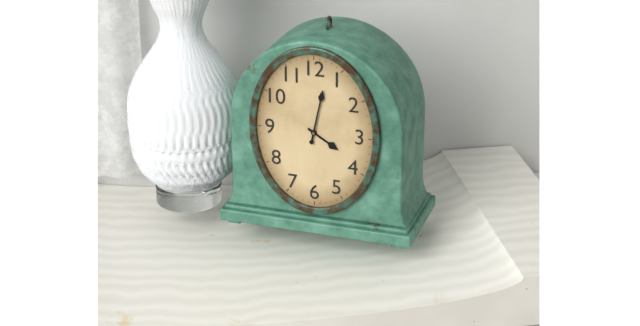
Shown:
4.02
